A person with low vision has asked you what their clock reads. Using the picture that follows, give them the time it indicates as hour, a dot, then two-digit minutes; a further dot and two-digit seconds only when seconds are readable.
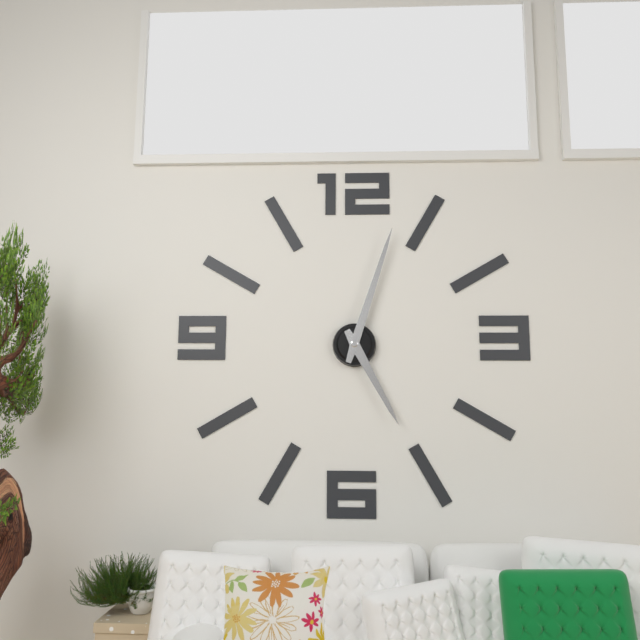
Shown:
5.03
